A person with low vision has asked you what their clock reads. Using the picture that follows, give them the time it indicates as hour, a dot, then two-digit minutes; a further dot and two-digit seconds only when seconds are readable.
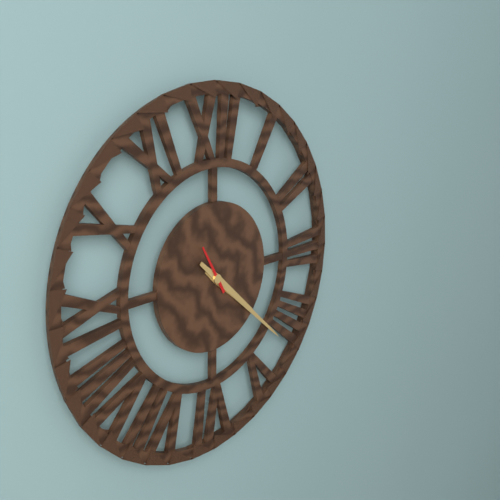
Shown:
4.22
